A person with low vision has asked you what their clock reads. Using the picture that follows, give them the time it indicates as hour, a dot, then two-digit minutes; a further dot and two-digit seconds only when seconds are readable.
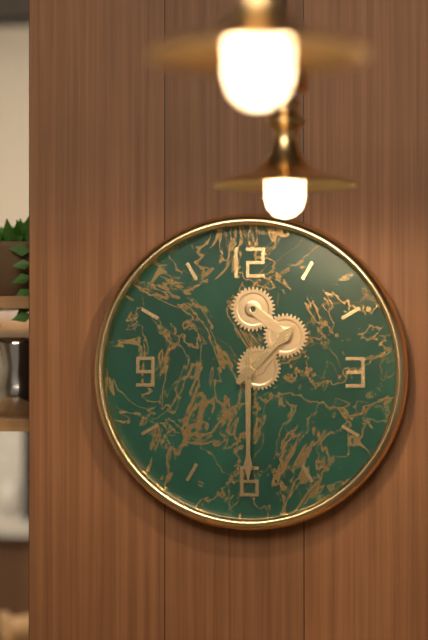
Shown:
1.30
